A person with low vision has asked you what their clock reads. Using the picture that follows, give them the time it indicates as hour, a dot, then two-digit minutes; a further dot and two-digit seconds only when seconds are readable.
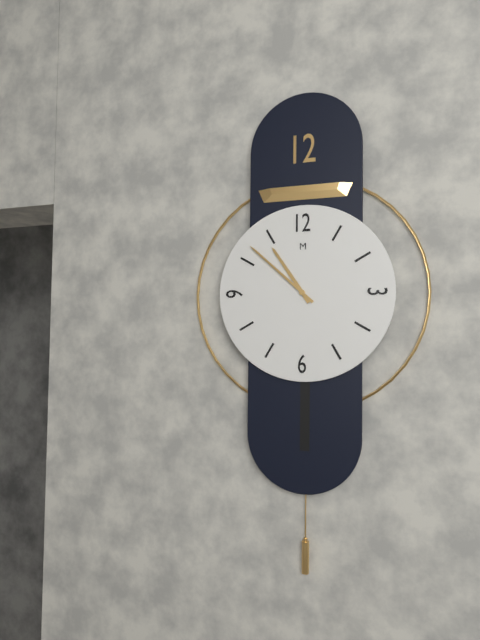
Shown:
10.52
